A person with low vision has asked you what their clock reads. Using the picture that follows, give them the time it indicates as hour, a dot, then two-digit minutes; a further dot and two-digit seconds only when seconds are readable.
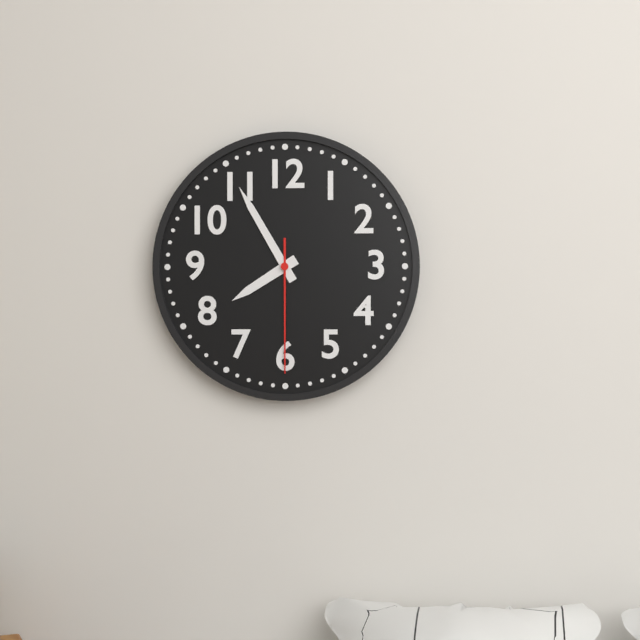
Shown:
7.55.30
